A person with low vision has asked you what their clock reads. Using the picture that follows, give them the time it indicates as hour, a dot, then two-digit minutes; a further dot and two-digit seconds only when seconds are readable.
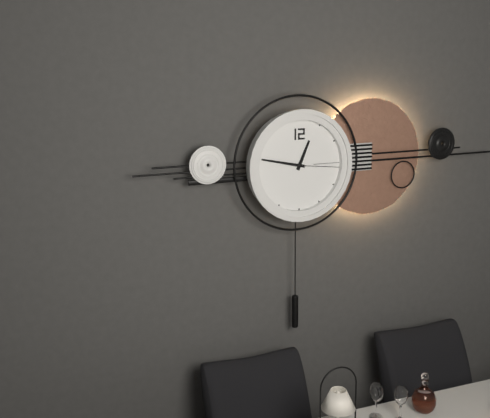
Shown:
12.47.16
